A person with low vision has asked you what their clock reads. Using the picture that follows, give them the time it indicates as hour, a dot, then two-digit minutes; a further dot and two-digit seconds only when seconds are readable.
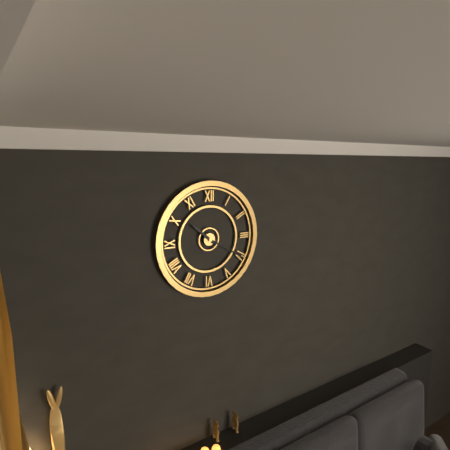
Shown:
10.20
